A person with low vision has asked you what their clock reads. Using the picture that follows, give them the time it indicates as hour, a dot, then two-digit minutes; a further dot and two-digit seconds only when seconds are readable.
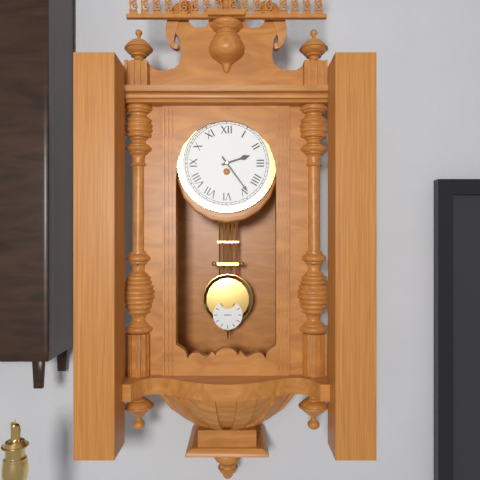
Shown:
2.24
